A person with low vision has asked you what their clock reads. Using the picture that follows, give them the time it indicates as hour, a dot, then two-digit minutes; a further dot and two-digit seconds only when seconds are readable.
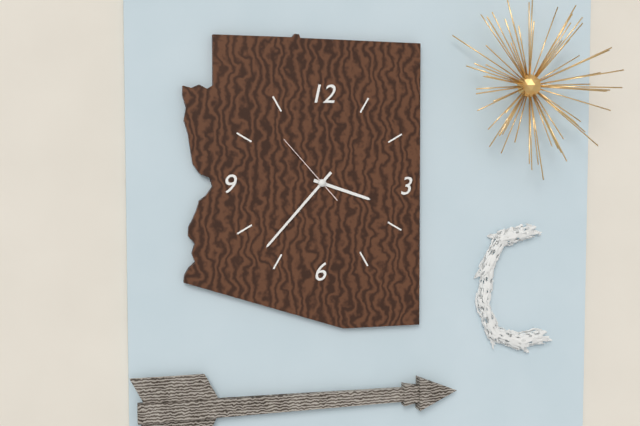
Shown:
3.37.53
